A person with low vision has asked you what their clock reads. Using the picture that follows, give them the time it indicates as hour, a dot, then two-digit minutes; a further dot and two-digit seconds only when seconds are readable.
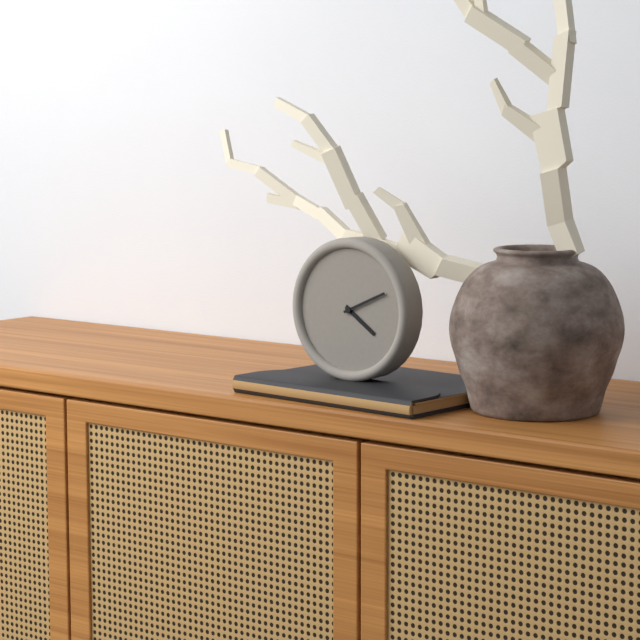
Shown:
4.11
